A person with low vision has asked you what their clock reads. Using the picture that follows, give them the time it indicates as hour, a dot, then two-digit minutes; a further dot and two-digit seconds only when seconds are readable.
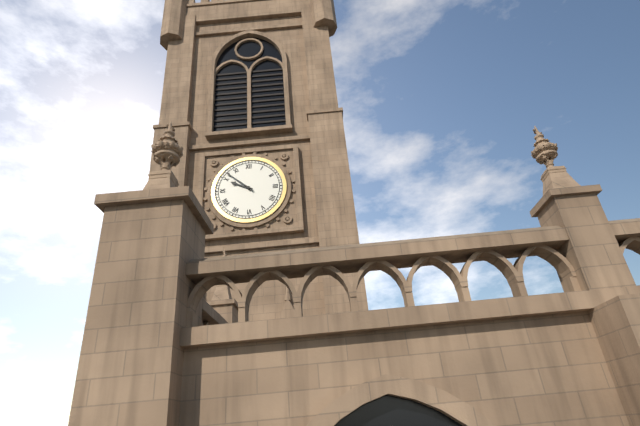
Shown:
9.52
